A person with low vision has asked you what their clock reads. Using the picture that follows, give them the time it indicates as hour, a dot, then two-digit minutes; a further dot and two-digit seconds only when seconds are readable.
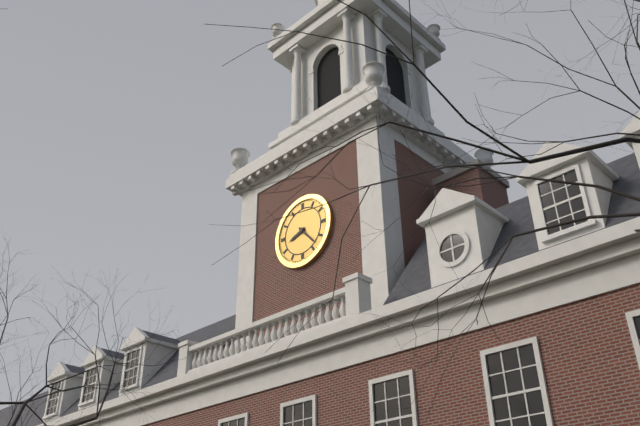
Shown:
8.23
